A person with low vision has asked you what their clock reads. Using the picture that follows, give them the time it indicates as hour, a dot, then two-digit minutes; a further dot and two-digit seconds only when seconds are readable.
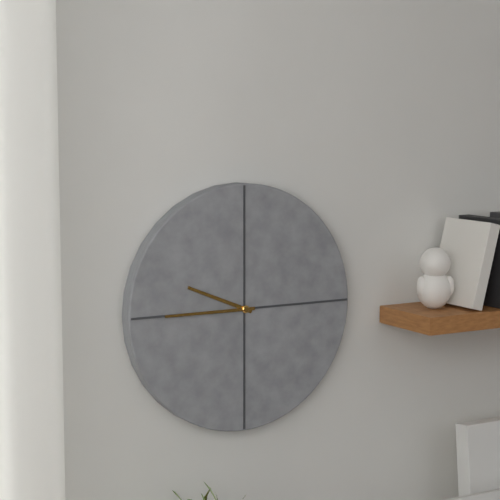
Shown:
9.45
